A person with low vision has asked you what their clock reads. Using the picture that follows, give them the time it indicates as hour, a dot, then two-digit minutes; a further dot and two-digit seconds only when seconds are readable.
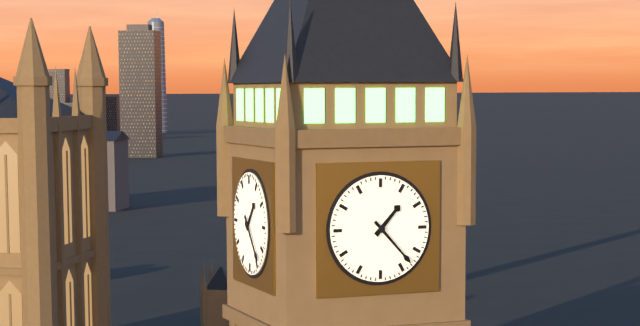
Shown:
1.23
